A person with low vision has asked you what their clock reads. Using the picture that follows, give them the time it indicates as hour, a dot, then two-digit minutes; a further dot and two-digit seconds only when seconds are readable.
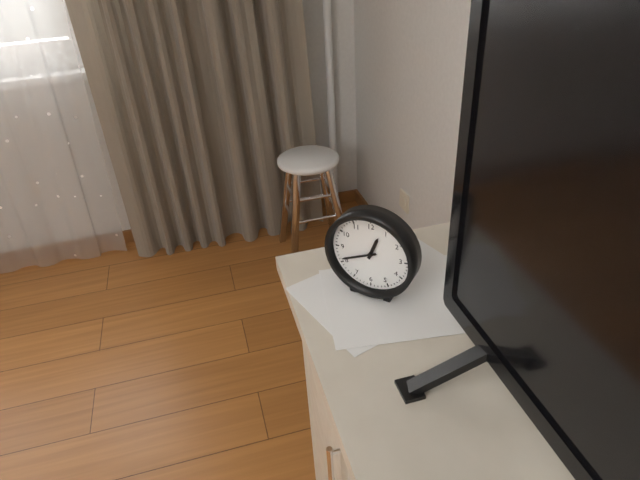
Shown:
12.41
